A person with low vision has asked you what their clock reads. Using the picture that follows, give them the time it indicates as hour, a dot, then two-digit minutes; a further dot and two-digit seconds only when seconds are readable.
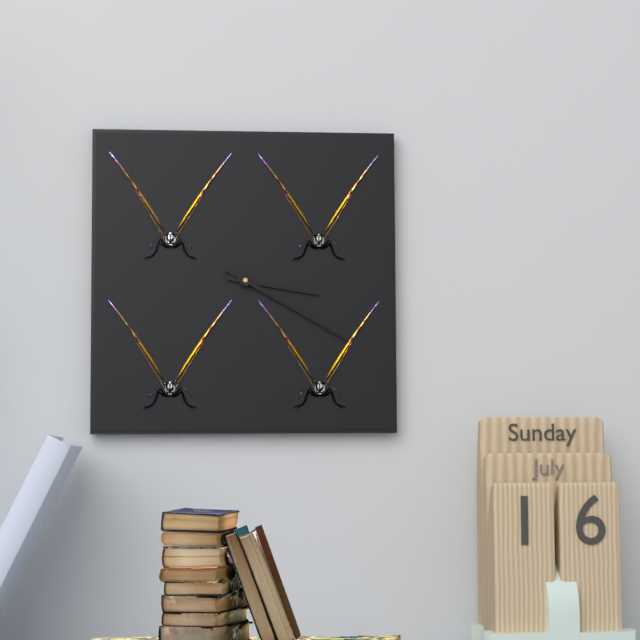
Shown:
3.20
